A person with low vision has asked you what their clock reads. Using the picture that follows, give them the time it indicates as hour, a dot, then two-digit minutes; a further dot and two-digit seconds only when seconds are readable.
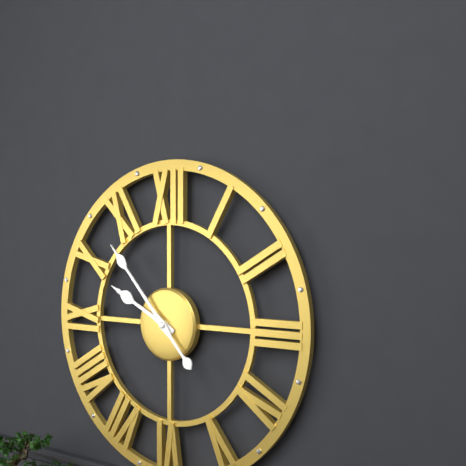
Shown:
9.53
